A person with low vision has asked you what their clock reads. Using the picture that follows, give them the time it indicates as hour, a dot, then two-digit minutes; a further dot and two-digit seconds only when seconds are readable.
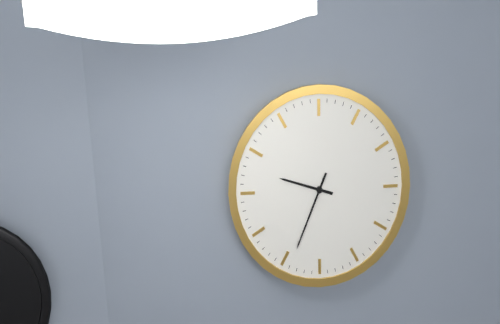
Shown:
9.34
